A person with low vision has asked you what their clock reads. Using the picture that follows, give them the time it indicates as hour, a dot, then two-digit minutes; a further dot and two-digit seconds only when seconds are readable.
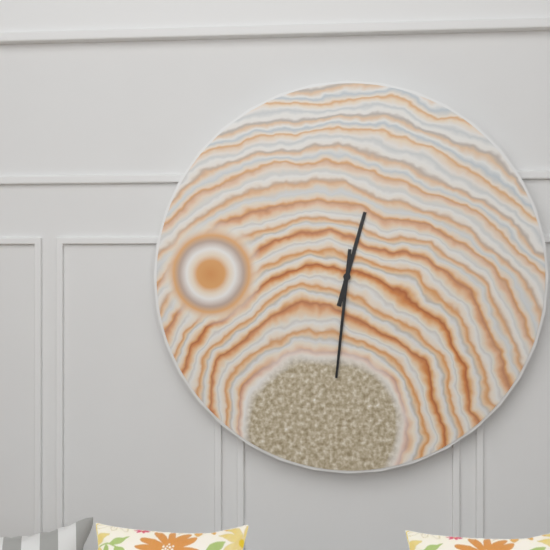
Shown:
12.31
